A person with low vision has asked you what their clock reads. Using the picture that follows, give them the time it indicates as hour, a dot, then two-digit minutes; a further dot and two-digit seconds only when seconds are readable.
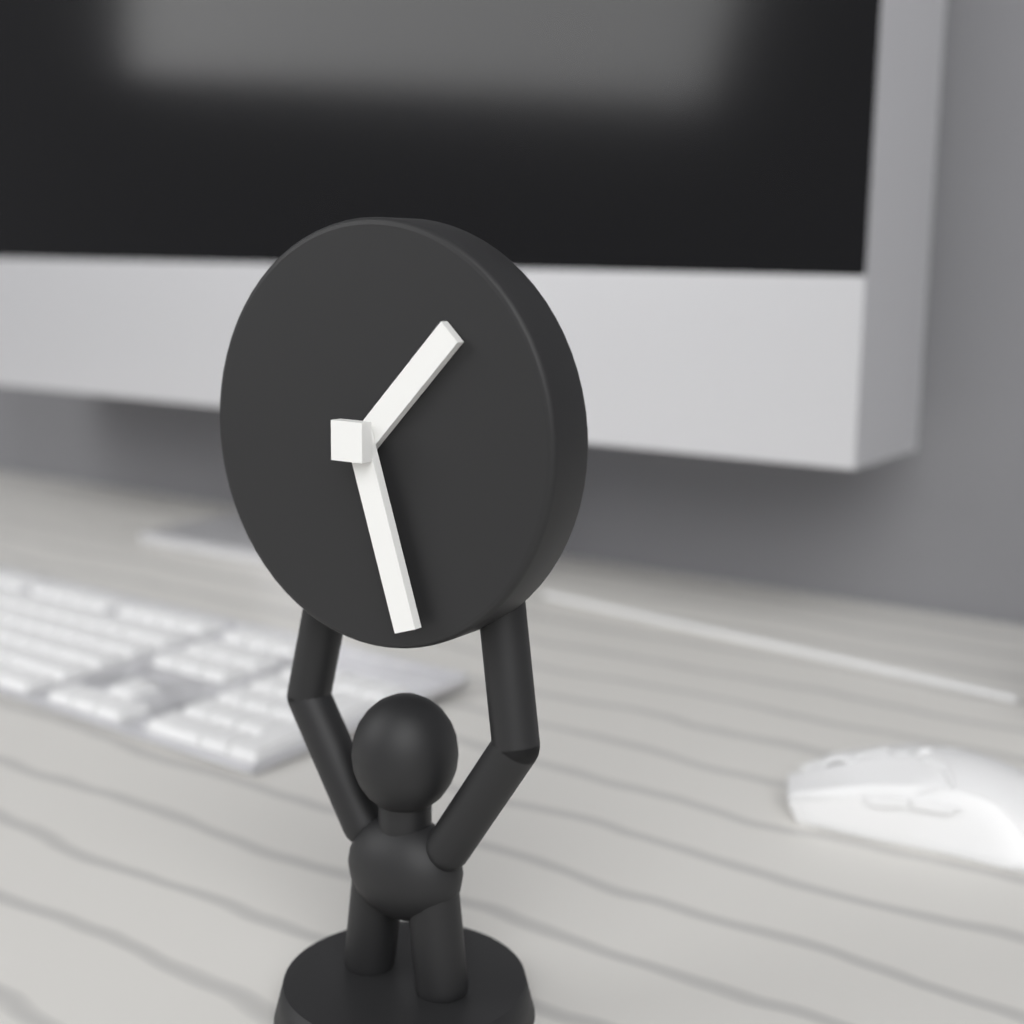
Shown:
1.27
